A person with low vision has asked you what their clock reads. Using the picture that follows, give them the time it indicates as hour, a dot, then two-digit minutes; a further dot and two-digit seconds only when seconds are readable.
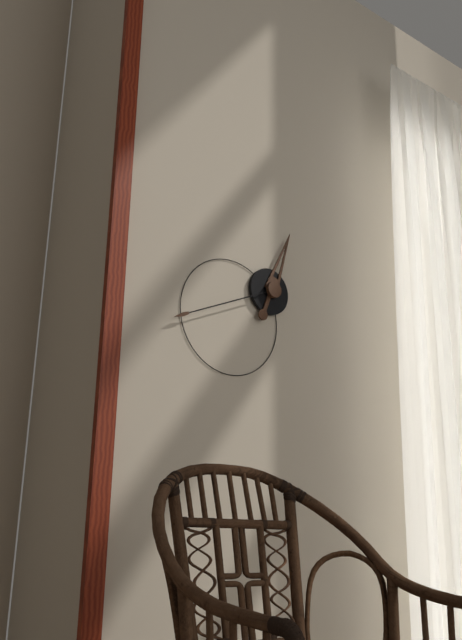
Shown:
12.41
